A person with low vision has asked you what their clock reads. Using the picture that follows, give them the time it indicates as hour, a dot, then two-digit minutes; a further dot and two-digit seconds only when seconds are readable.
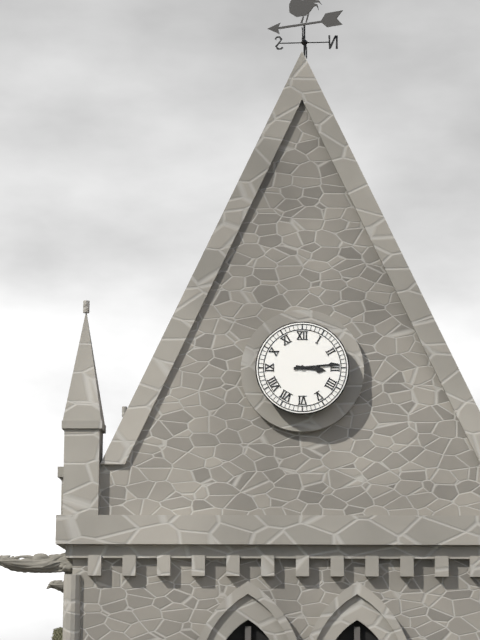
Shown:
3.14
